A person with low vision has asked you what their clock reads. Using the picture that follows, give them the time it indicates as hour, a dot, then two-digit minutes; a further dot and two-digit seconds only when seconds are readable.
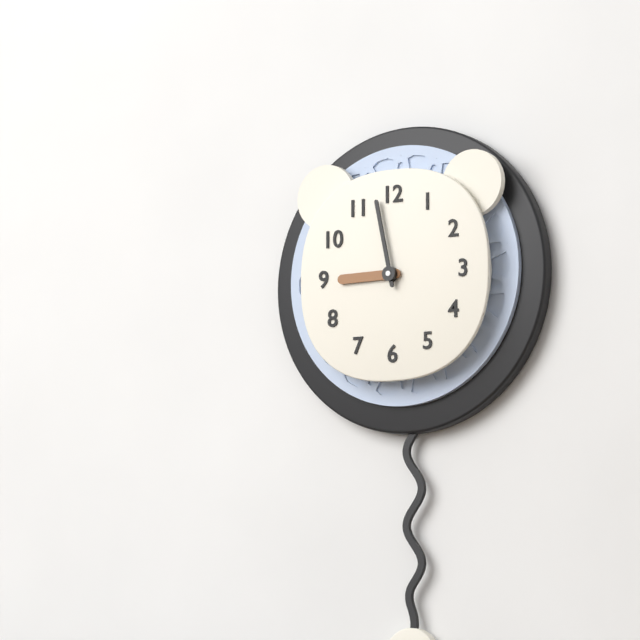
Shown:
8.58
